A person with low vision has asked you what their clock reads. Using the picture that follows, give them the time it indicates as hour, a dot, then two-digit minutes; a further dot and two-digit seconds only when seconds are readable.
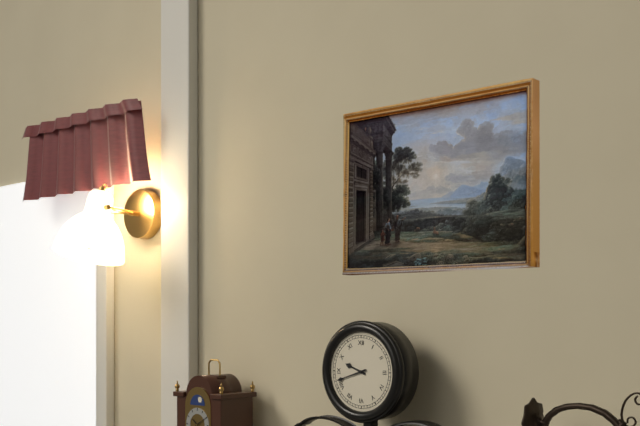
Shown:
9.42
